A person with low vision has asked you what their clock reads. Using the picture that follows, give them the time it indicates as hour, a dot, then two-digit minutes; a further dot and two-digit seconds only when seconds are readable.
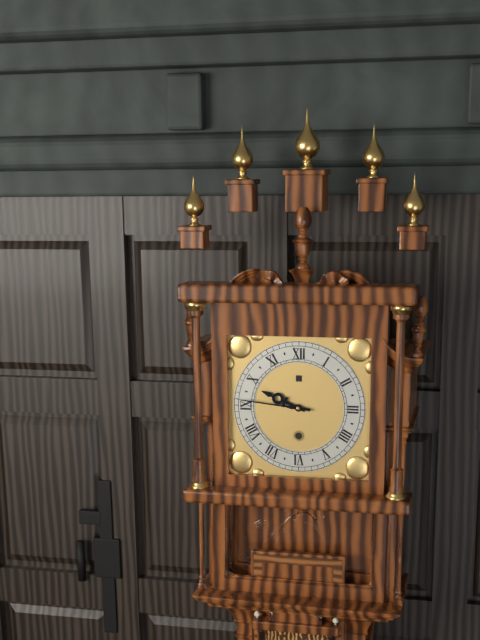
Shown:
9.46
